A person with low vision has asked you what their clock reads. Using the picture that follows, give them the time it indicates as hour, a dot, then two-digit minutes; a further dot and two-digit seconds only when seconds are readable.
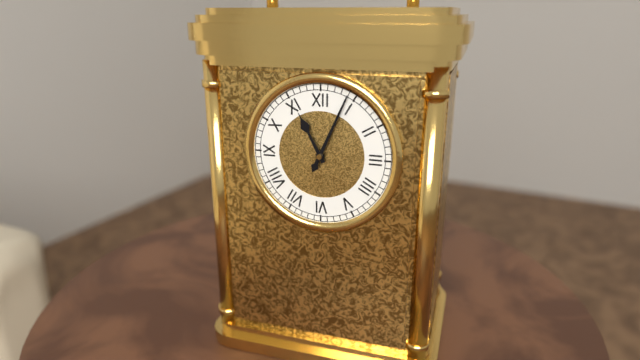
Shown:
11.04
